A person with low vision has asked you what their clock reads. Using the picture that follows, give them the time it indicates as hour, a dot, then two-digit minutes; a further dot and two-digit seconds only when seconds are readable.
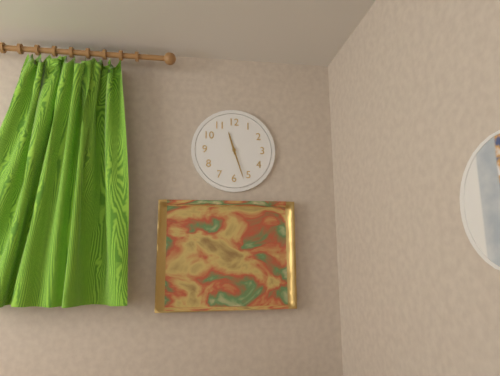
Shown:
11.27
